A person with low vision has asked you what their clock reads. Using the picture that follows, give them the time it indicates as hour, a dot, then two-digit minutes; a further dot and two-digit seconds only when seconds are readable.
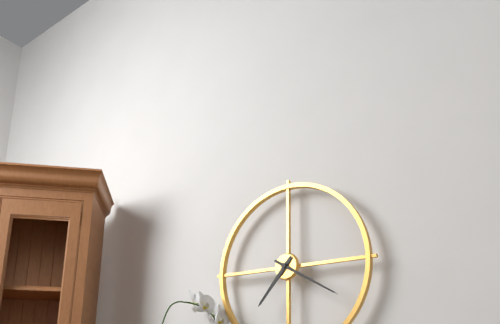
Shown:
7.20
